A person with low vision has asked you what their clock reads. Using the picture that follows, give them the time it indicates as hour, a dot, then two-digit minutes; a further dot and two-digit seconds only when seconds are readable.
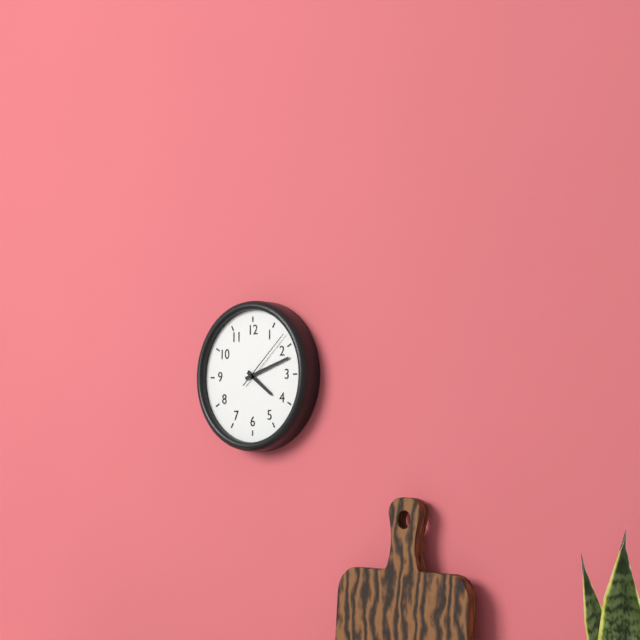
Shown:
4.12.08
